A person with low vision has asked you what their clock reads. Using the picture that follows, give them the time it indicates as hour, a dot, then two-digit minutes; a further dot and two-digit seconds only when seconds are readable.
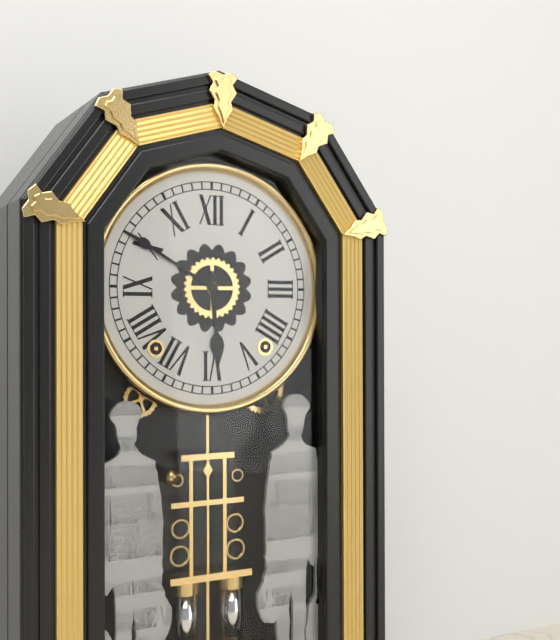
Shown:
5.50
